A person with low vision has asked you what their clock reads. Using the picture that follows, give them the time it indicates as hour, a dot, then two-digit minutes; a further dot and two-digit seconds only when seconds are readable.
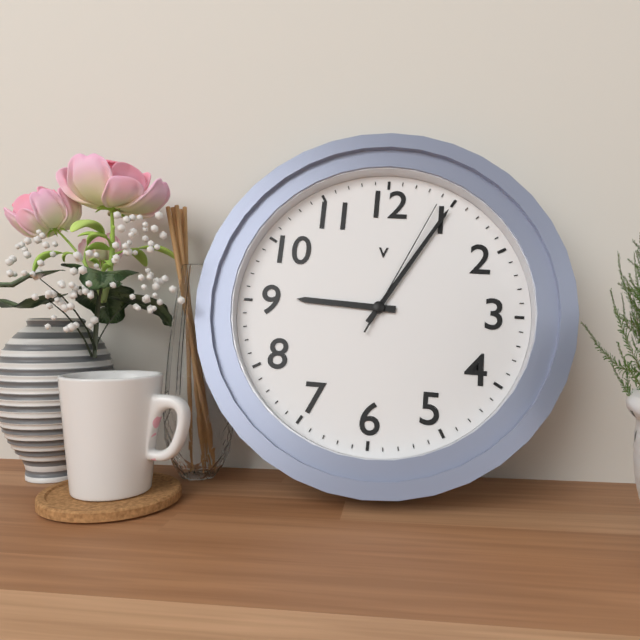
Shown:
9.05.04
